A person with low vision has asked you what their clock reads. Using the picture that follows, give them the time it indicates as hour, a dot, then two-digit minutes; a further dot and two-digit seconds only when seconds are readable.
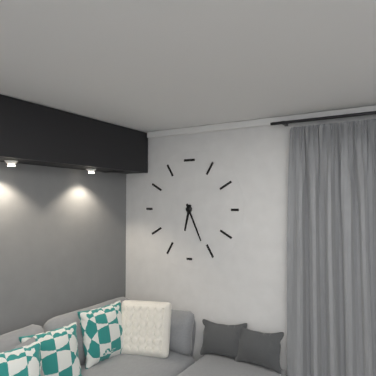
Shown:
6.26
